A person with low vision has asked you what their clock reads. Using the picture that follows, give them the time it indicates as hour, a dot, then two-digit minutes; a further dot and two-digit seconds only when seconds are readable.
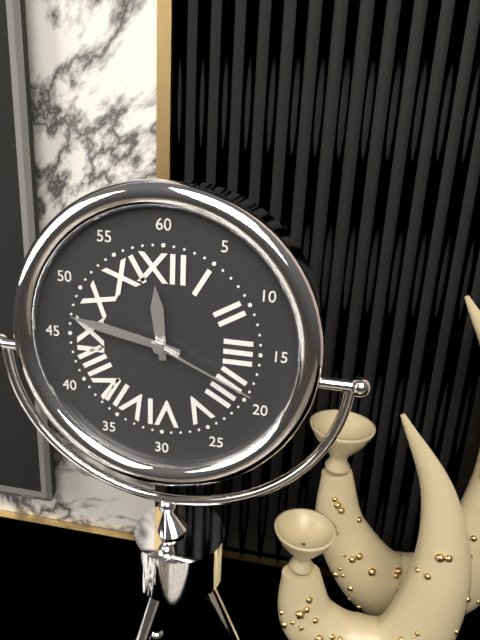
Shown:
11.47.19
